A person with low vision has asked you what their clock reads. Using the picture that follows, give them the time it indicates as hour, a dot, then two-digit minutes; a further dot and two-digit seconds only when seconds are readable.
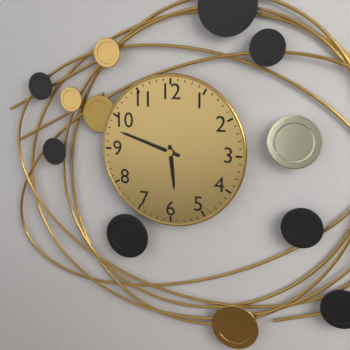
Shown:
5.48
